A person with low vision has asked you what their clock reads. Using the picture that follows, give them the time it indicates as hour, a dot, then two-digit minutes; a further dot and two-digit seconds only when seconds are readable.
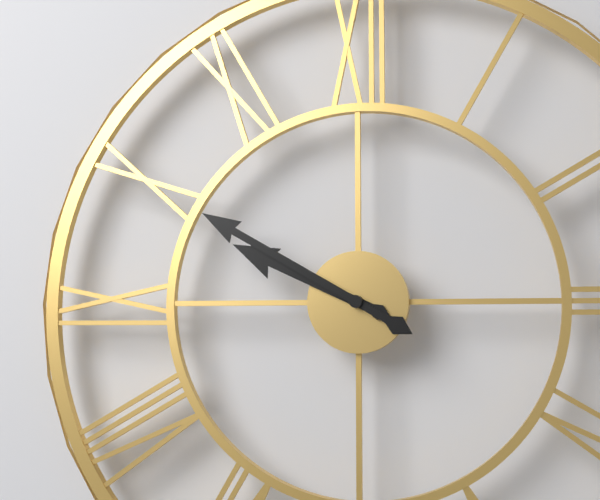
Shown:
9.50
